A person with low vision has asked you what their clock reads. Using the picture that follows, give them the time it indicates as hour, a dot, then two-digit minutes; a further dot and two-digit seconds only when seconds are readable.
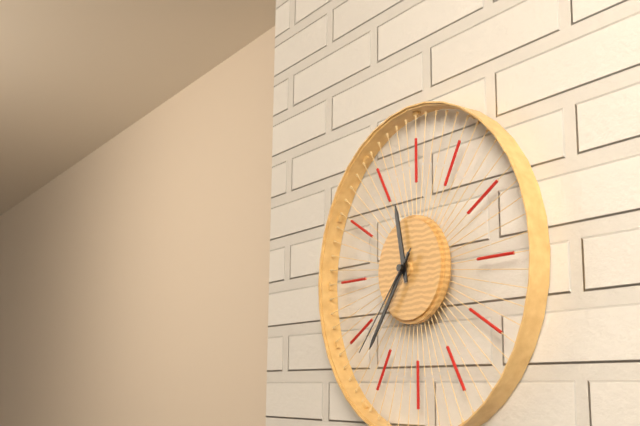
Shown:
11.36.37
